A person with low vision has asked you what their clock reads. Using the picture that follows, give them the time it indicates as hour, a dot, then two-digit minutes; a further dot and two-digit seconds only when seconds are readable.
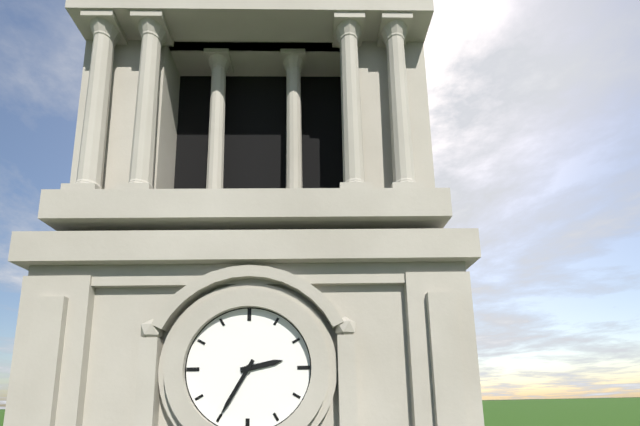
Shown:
2.35
